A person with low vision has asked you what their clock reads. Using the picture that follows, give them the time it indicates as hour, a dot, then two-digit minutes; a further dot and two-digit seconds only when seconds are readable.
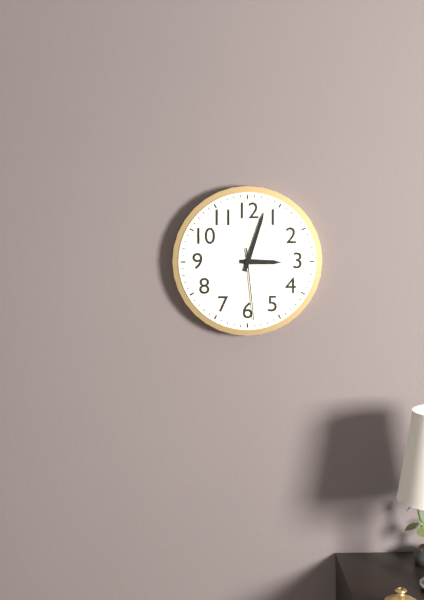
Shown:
3.03.29
